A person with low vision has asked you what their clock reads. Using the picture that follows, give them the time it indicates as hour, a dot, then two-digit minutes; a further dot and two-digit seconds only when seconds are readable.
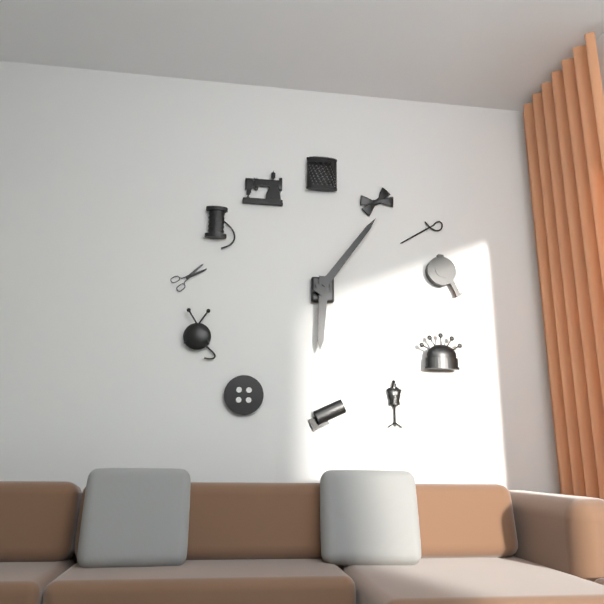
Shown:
6.06
